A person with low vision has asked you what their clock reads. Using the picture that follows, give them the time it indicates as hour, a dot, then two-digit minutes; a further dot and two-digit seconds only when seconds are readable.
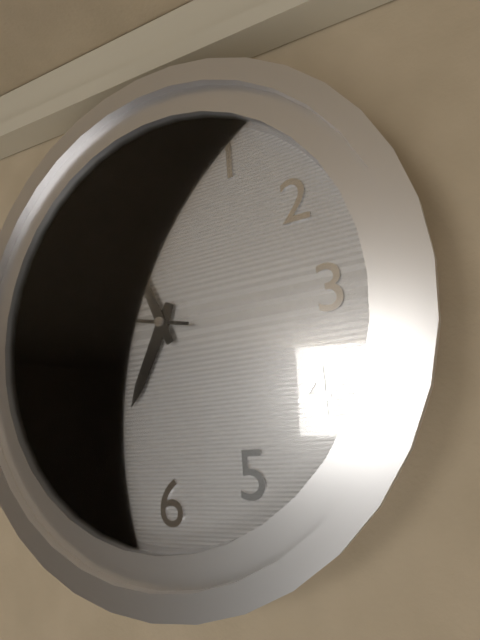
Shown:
6.56.47
